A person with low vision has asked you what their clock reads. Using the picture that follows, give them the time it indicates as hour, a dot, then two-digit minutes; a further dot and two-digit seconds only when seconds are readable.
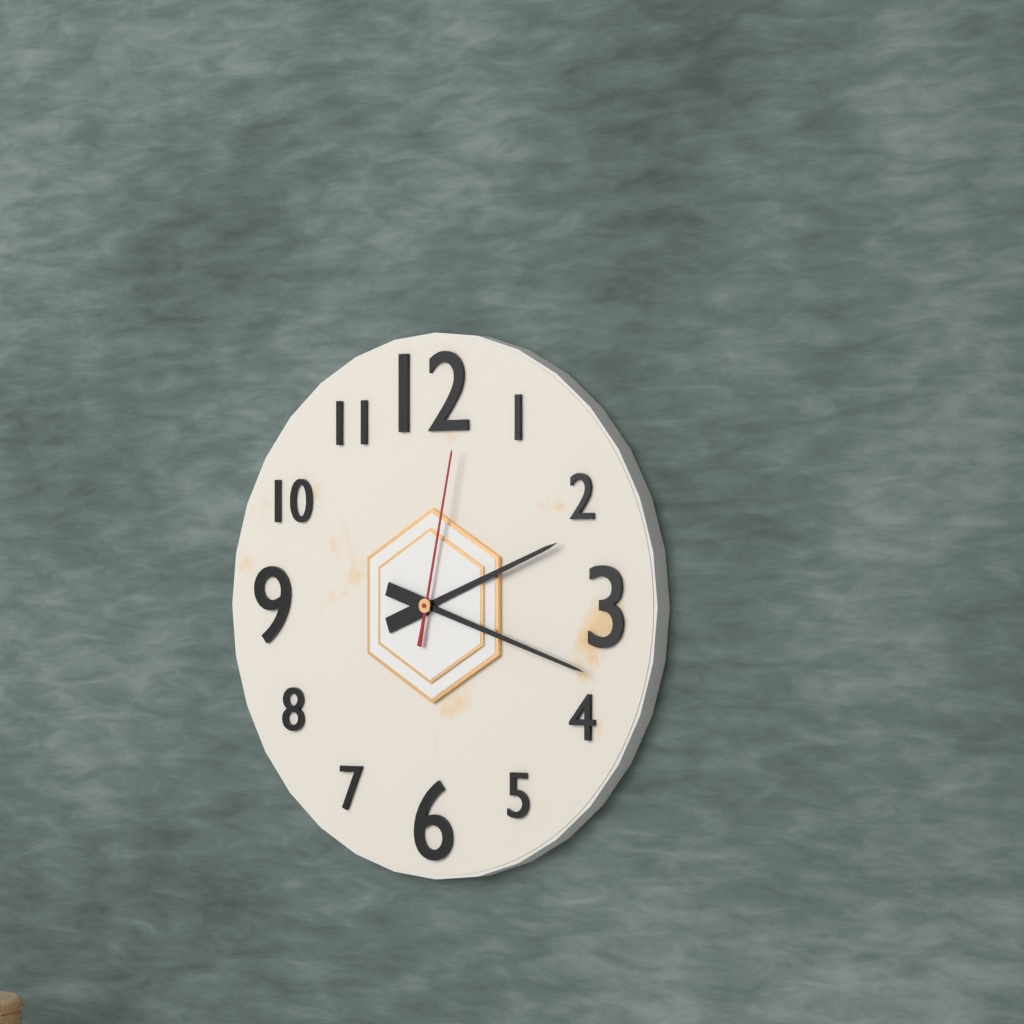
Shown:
2.18.02
